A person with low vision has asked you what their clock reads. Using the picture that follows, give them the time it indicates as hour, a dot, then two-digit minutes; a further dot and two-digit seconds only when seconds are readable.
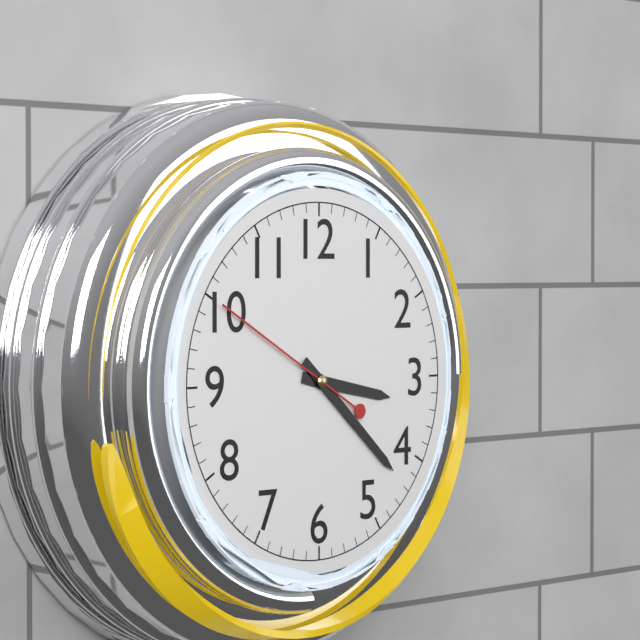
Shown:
3.22.50
